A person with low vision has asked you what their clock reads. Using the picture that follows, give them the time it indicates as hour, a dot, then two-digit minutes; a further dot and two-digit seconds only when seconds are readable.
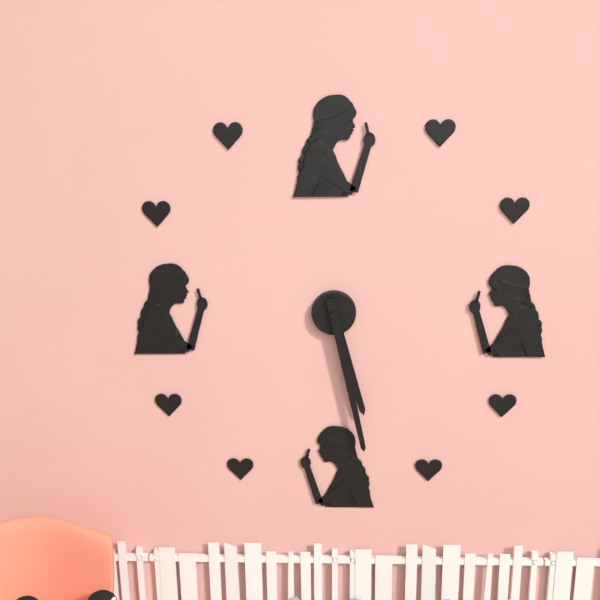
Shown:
5.28
